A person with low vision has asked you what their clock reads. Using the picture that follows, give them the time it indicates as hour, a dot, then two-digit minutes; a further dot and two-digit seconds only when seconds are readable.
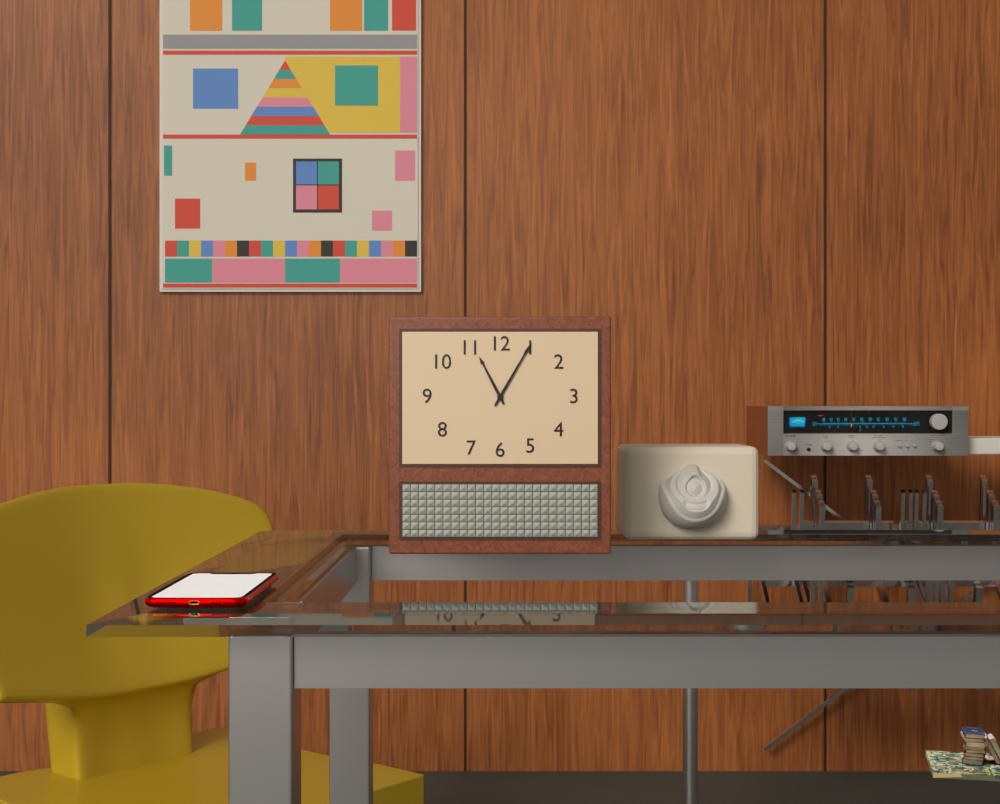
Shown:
11.05
